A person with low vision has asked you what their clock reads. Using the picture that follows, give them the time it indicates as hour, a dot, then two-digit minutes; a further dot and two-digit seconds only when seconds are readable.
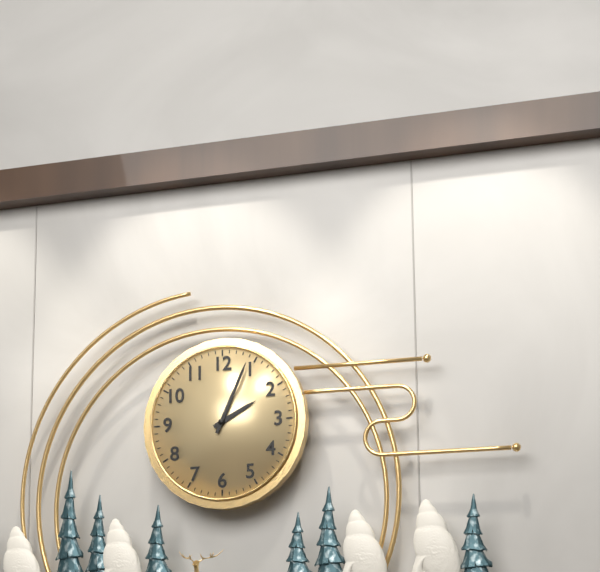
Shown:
2.04
